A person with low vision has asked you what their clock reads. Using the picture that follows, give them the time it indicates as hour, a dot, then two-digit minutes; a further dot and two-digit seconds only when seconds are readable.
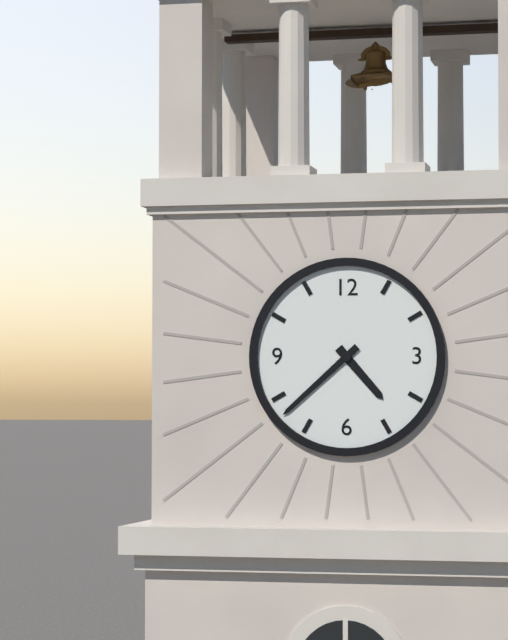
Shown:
4.38
